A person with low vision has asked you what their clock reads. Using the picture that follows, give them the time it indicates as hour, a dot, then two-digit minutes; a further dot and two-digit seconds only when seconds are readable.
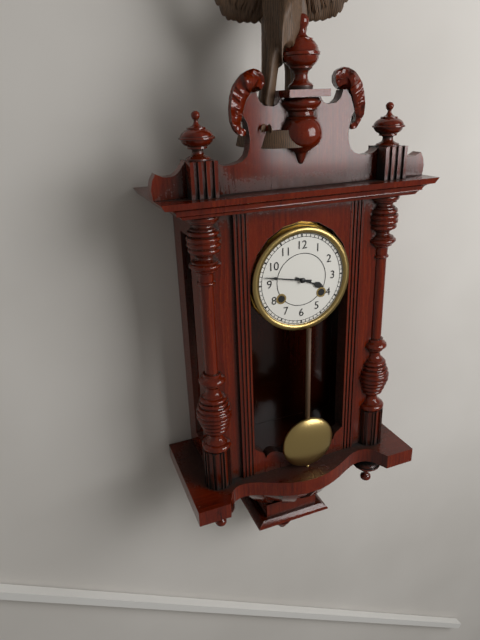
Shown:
3.47
